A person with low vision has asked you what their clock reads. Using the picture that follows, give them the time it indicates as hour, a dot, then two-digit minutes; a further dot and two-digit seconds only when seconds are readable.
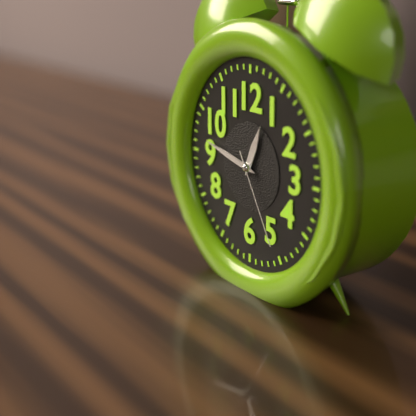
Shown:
12.47.25
